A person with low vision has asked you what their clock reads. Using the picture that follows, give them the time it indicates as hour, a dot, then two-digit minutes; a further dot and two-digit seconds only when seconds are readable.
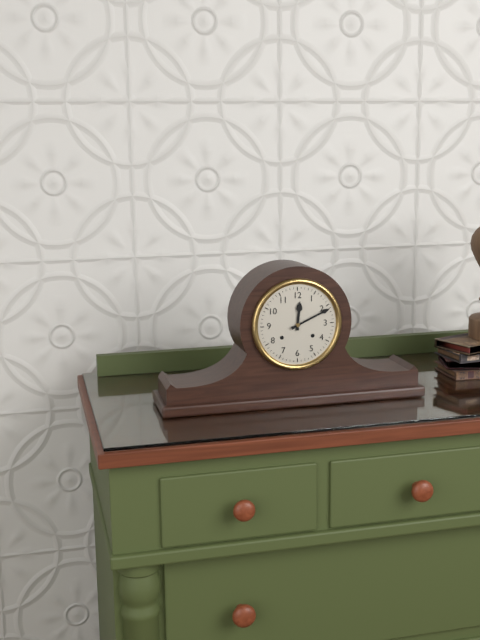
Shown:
12.11
